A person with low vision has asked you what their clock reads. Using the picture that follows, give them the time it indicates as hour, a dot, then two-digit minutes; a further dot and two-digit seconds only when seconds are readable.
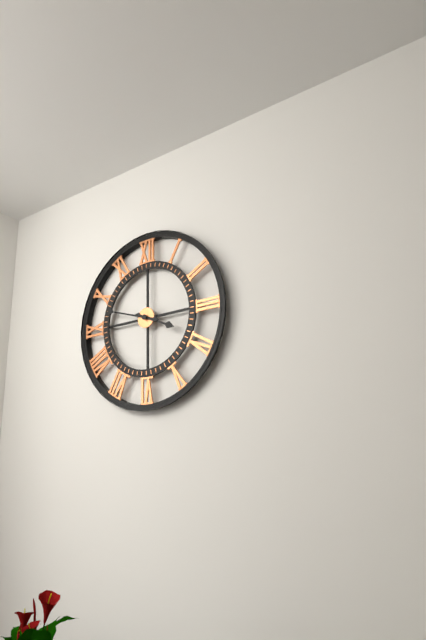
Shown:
3.48
